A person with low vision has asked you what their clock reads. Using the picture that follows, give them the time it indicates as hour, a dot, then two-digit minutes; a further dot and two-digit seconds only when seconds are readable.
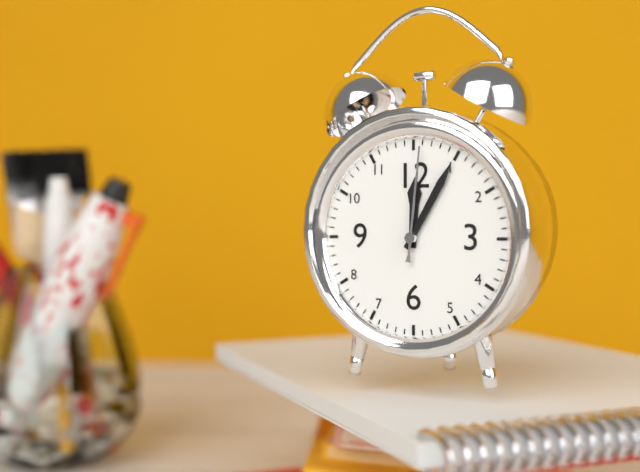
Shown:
12.05.01
